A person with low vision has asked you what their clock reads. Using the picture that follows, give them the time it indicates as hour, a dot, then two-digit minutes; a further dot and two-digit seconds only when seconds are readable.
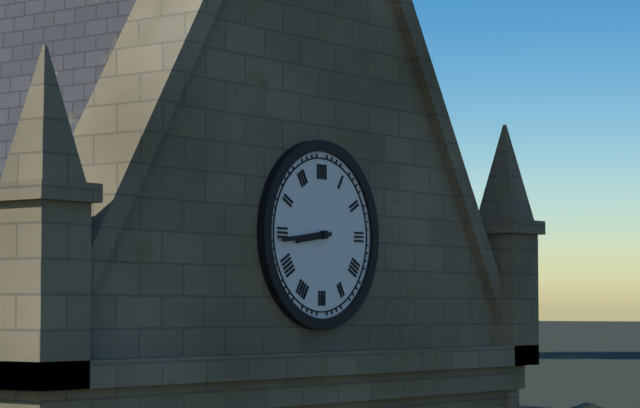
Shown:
8.44
